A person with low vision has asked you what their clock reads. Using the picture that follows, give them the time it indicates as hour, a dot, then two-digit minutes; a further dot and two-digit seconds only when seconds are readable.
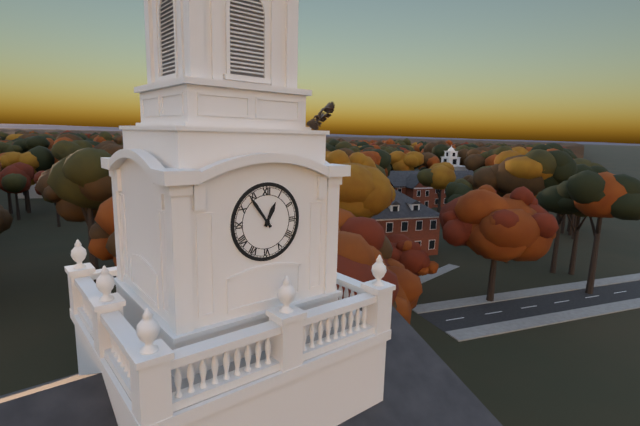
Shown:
12.54
